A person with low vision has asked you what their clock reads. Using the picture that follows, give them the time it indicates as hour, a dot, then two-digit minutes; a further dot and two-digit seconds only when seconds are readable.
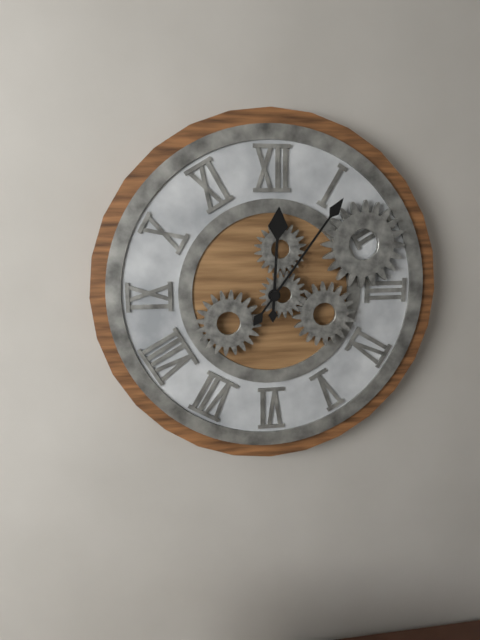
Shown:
12.06
